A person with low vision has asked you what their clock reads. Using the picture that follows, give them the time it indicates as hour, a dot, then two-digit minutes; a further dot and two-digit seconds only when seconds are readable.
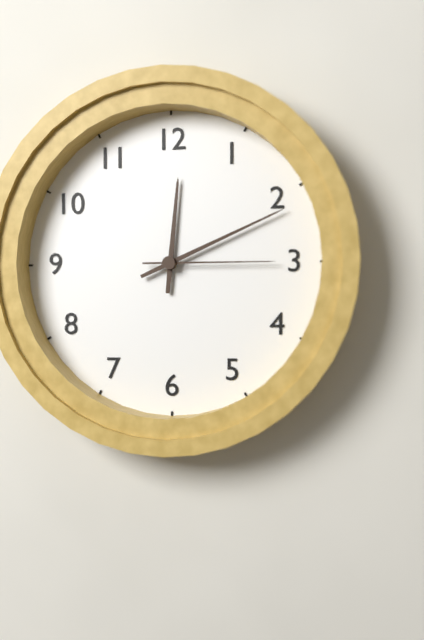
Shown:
12.11.15
